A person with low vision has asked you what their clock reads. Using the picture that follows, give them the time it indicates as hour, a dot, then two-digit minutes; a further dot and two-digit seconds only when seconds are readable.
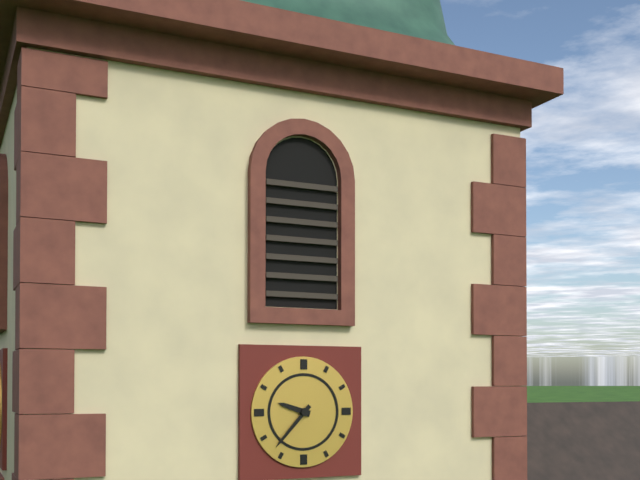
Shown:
9.37
